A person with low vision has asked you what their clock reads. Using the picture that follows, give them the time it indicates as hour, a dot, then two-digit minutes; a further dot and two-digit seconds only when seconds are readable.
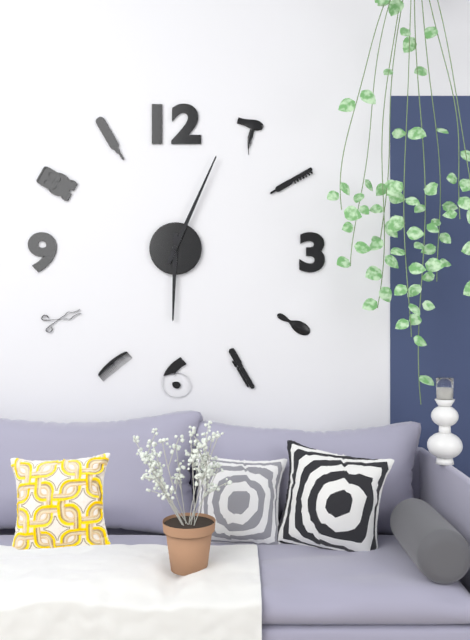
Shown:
6.04
